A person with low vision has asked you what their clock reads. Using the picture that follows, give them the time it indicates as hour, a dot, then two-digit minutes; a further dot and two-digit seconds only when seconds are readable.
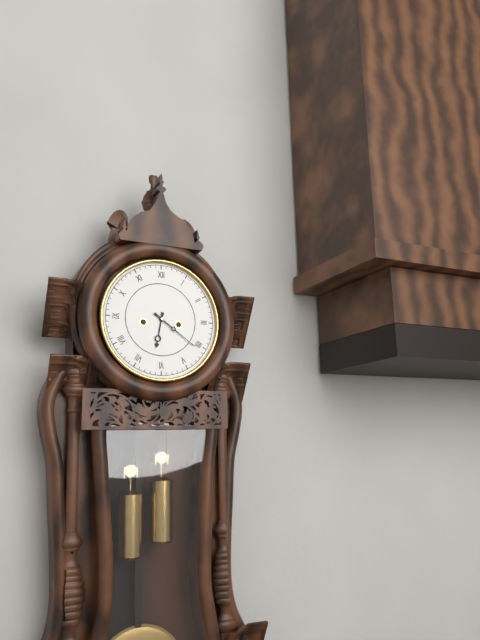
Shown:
6.21
